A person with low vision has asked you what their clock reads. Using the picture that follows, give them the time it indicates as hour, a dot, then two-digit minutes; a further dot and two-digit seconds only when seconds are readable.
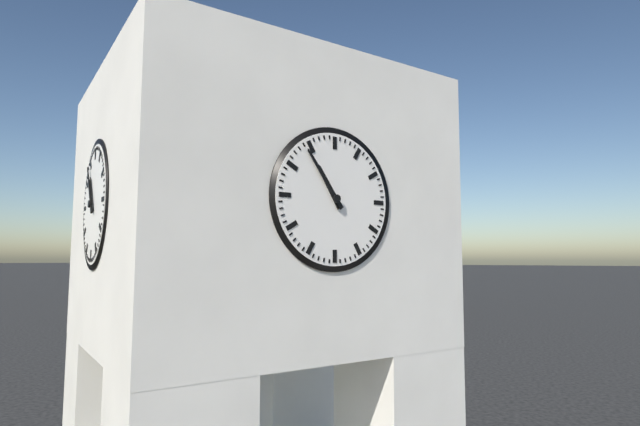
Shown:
10.54
